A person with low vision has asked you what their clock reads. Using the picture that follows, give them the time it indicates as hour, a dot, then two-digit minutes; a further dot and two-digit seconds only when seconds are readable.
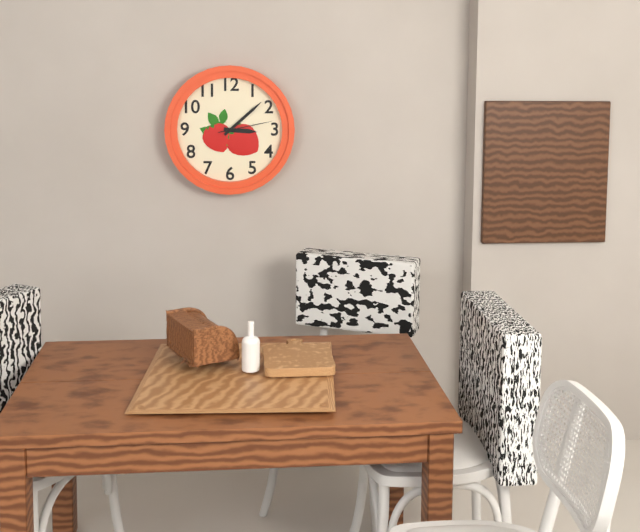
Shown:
3.08.13
